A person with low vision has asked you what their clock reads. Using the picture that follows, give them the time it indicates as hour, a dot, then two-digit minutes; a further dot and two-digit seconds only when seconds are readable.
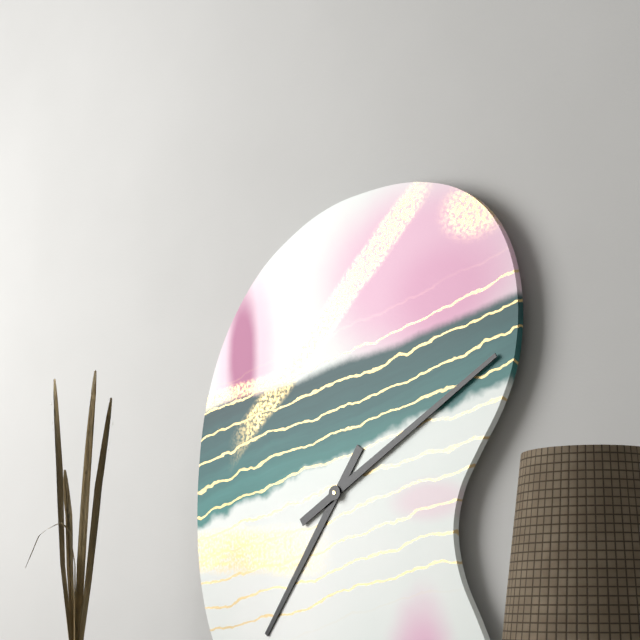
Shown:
7.10
